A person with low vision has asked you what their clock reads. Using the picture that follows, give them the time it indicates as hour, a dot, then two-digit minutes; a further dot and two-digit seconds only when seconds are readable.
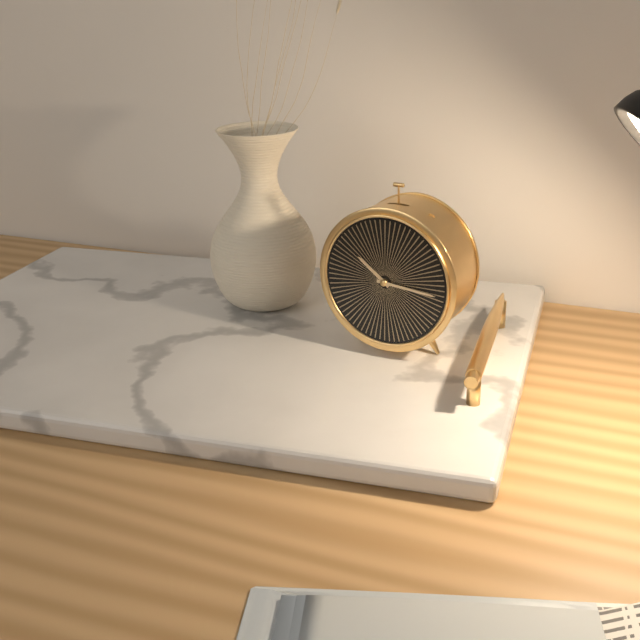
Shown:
10.16
